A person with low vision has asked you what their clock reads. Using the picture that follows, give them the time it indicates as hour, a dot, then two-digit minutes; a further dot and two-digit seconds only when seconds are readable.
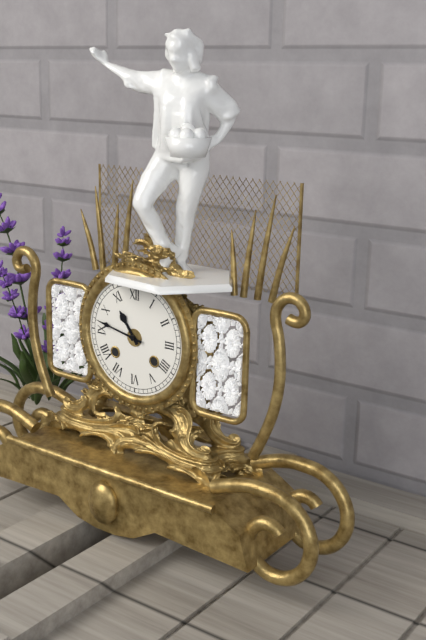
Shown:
10.47
